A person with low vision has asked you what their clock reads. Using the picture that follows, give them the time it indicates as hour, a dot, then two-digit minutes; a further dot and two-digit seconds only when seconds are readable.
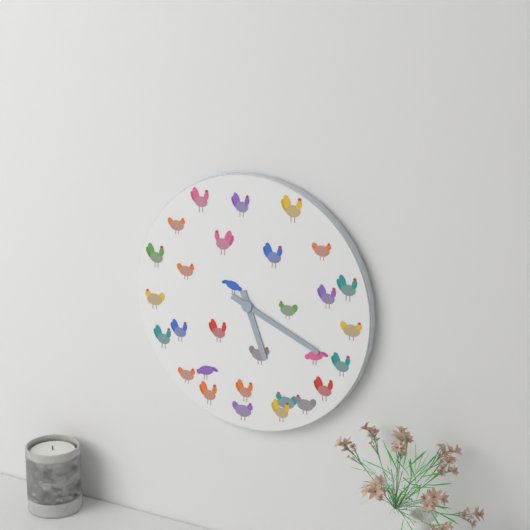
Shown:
5.19
